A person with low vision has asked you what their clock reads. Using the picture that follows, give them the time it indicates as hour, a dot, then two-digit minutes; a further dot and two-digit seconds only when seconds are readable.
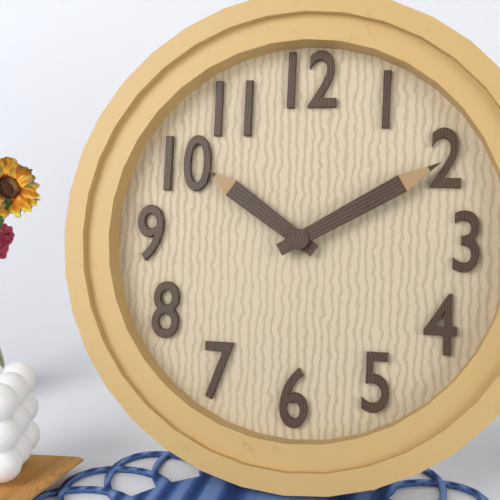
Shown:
10.10
